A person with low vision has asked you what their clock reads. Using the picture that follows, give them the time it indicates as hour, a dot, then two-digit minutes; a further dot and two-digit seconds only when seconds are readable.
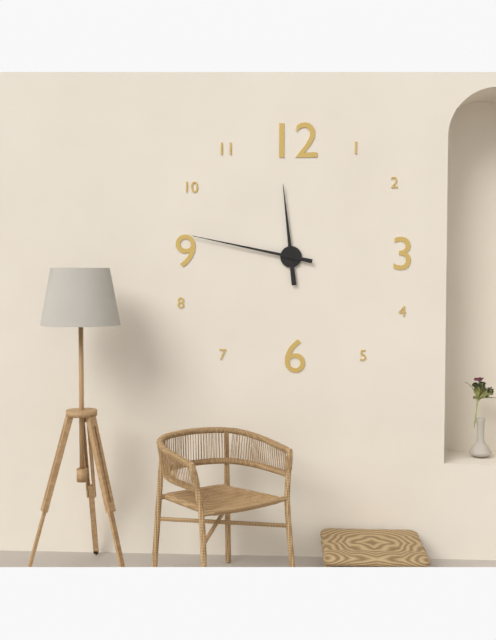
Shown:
11.47
